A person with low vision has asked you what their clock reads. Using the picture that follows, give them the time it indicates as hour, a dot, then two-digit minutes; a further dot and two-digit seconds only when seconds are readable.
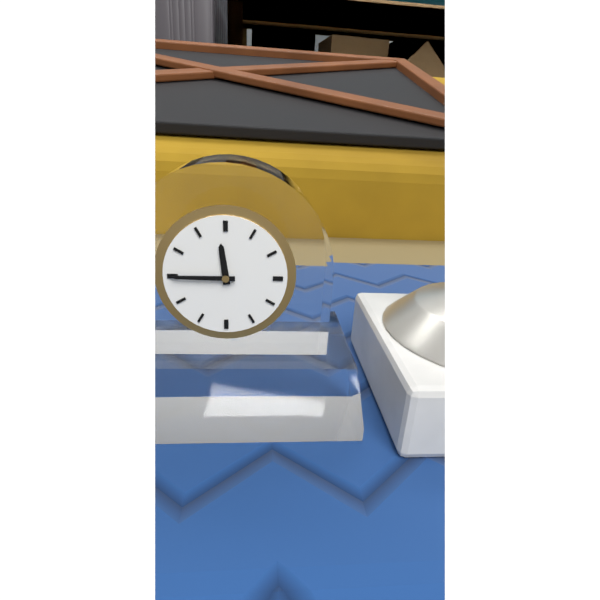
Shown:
11.45
